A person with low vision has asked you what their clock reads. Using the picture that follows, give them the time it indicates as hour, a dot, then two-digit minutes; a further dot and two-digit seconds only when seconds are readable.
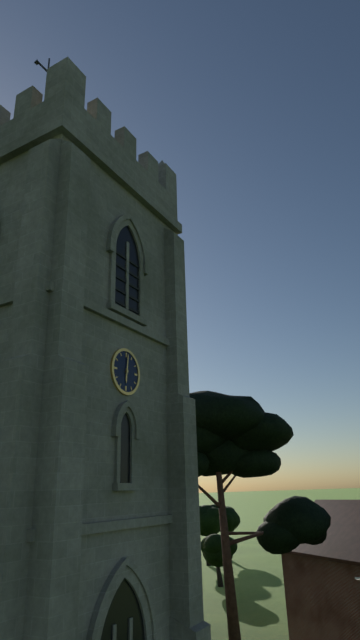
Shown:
6.01
